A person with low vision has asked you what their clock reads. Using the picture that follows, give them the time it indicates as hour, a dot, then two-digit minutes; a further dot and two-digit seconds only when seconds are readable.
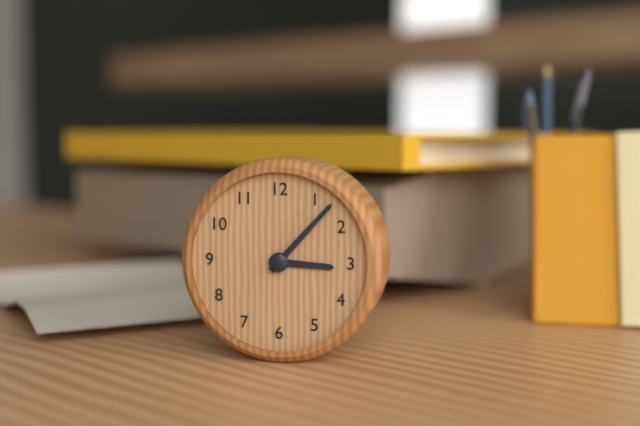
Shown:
3.07
